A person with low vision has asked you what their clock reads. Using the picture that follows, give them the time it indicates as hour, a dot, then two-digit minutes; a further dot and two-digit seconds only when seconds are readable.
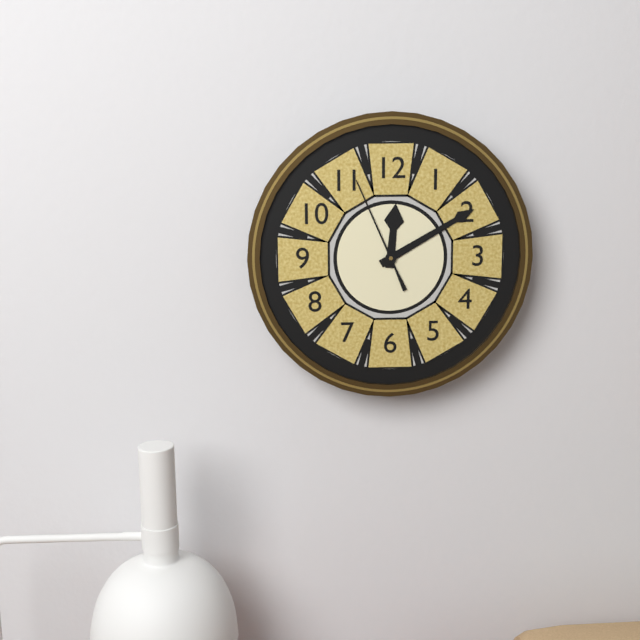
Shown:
12.10.56
